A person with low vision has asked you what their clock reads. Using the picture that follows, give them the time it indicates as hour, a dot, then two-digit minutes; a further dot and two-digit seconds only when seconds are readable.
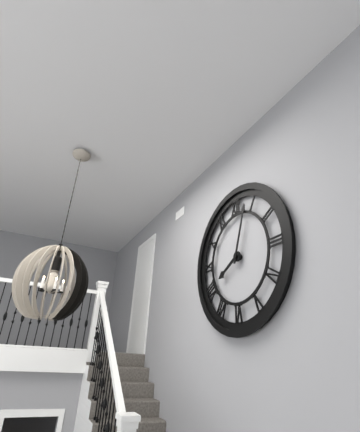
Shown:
8.03
